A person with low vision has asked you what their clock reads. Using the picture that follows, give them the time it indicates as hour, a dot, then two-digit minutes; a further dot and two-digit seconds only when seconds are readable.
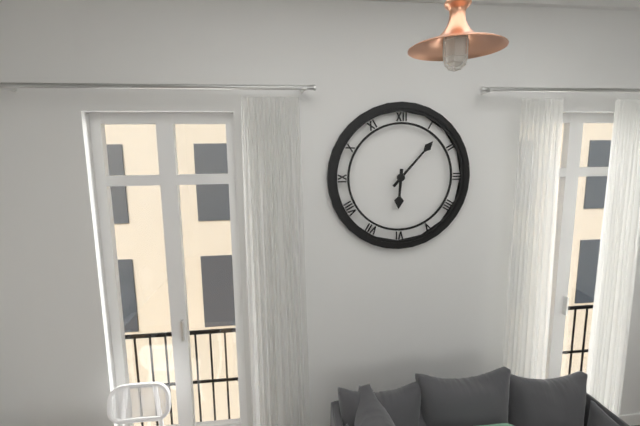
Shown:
6.07
